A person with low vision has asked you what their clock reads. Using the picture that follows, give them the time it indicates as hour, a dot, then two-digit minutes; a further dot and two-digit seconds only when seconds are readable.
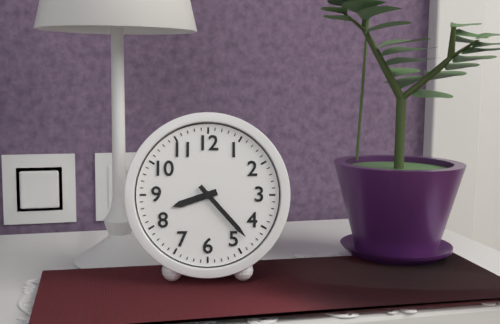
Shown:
8.23
